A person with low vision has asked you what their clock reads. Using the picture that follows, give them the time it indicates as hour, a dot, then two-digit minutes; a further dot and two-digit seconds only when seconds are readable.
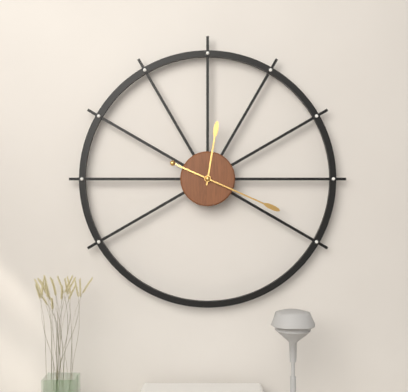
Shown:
12.19
